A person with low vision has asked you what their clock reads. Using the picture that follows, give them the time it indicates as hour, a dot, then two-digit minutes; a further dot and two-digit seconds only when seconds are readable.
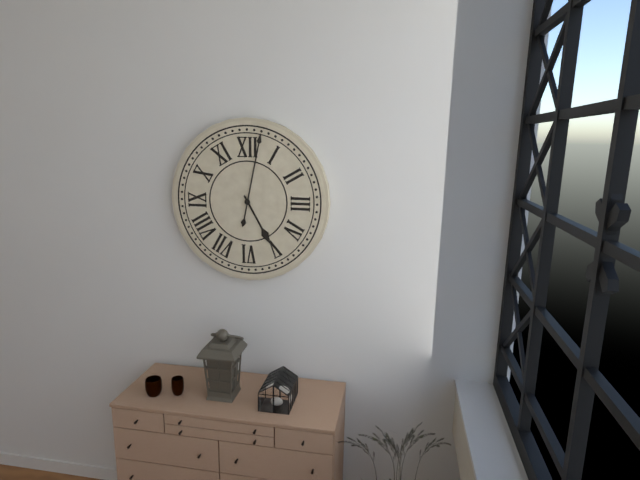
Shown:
5.02
